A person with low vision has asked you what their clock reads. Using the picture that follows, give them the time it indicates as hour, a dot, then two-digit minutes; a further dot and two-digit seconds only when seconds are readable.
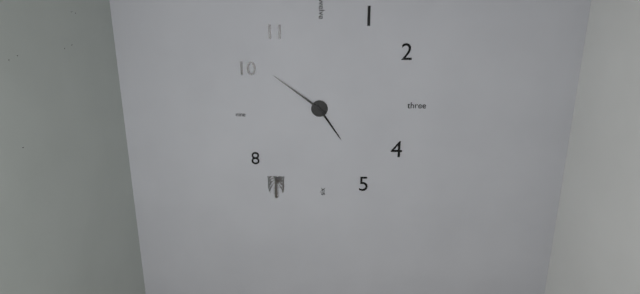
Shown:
4.51
